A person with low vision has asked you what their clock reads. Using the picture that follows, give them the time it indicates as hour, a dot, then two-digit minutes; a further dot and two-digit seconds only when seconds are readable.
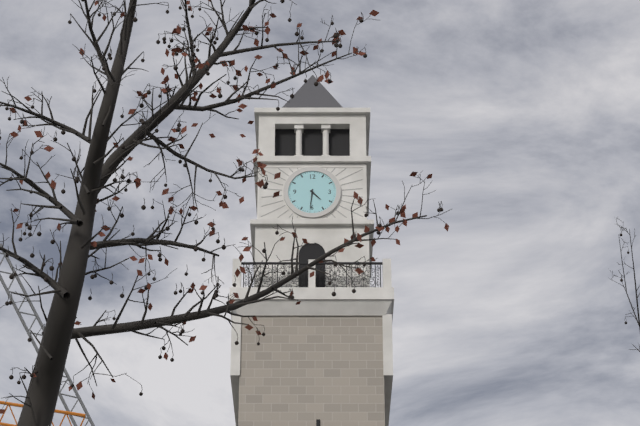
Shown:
4.31
